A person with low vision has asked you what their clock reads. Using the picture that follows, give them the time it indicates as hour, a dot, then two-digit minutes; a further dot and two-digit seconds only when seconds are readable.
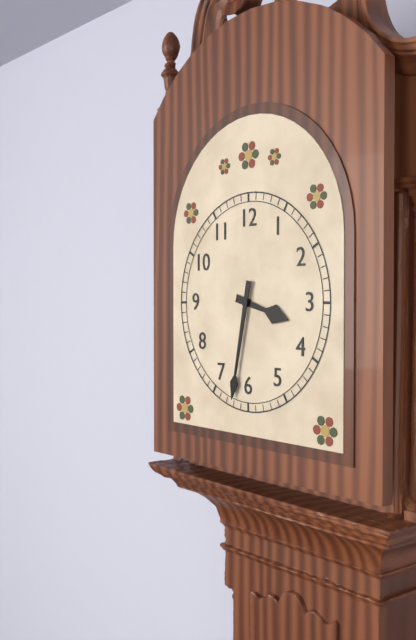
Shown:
3.32
